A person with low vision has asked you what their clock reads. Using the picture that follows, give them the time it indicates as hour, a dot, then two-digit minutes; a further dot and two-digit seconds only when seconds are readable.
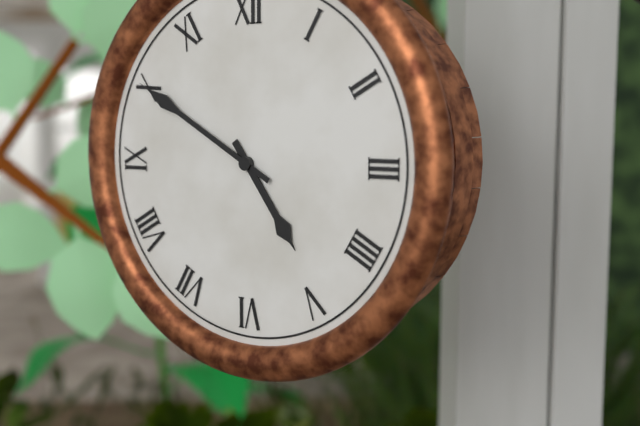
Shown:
4.50
